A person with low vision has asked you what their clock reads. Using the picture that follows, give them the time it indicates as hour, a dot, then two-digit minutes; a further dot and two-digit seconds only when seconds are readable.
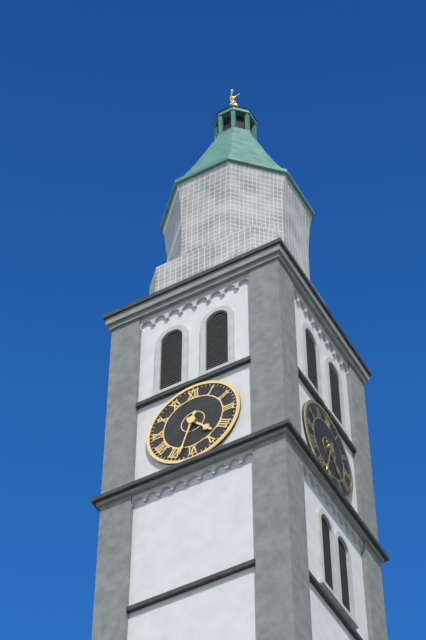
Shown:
4.33
